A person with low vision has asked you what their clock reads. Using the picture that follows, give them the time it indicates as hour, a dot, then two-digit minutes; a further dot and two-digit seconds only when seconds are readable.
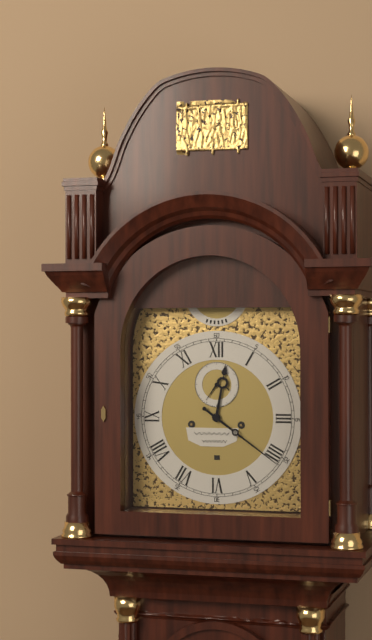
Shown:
12.21
